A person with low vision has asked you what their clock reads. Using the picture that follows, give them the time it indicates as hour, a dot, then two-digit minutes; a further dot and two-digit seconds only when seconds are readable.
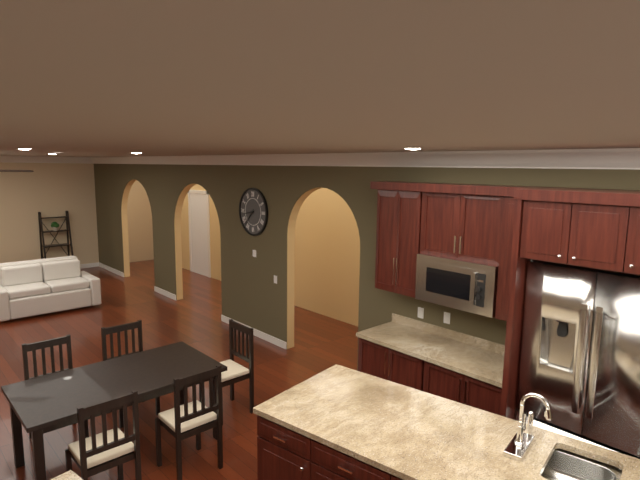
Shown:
8.37
